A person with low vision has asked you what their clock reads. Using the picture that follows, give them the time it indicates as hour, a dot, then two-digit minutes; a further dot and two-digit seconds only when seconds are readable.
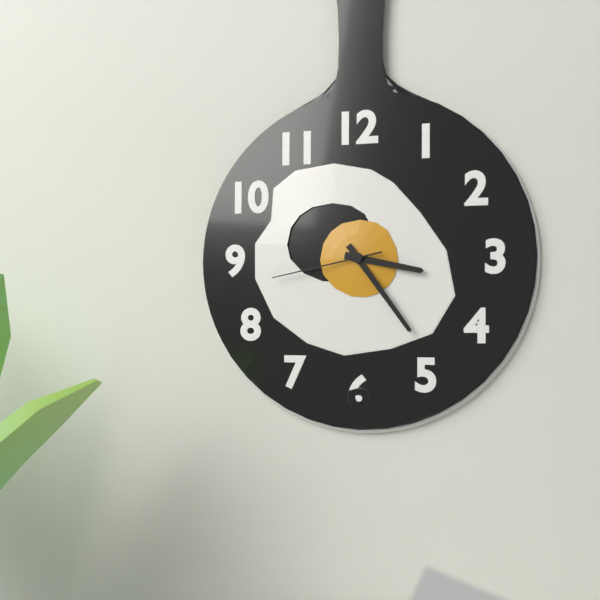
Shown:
3.24.43
